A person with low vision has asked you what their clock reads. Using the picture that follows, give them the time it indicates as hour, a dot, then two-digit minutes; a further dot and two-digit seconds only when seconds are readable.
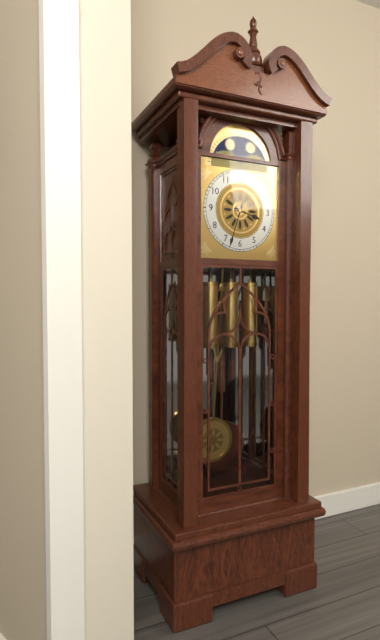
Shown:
3.33
